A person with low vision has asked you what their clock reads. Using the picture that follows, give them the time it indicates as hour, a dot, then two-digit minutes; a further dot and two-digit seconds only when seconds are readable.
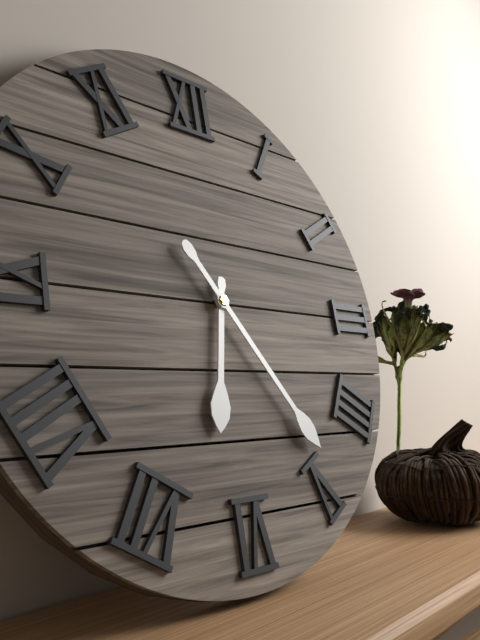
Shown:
6.24
